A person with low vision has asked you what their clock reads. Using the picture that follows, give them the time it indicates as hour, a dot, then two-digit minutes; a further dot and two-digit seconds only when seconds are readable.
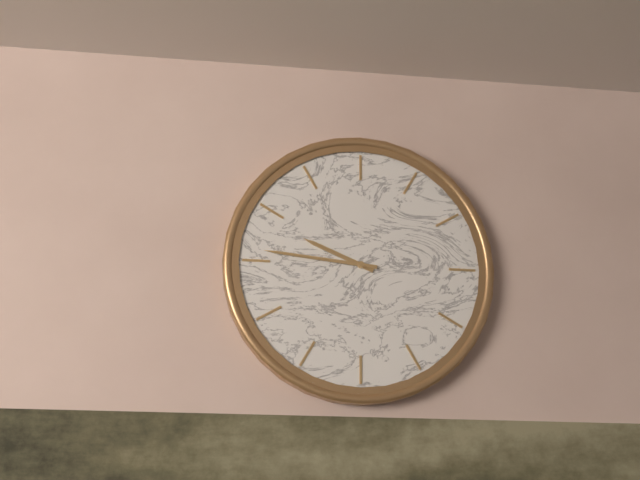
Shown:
9.46
